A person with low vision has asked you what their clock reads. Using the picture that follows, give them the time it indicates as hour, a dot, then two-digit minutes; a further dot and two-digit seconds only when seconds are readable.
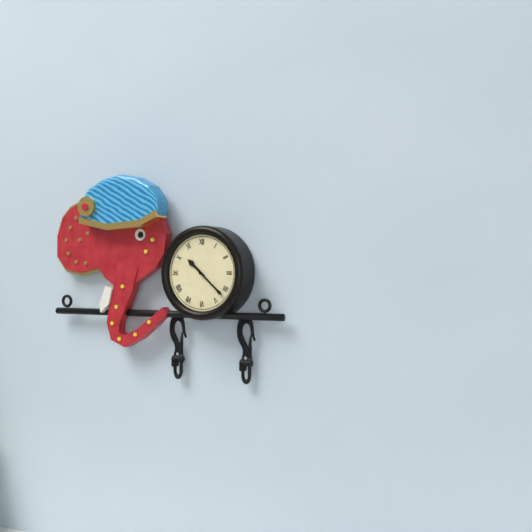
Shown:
10.22
